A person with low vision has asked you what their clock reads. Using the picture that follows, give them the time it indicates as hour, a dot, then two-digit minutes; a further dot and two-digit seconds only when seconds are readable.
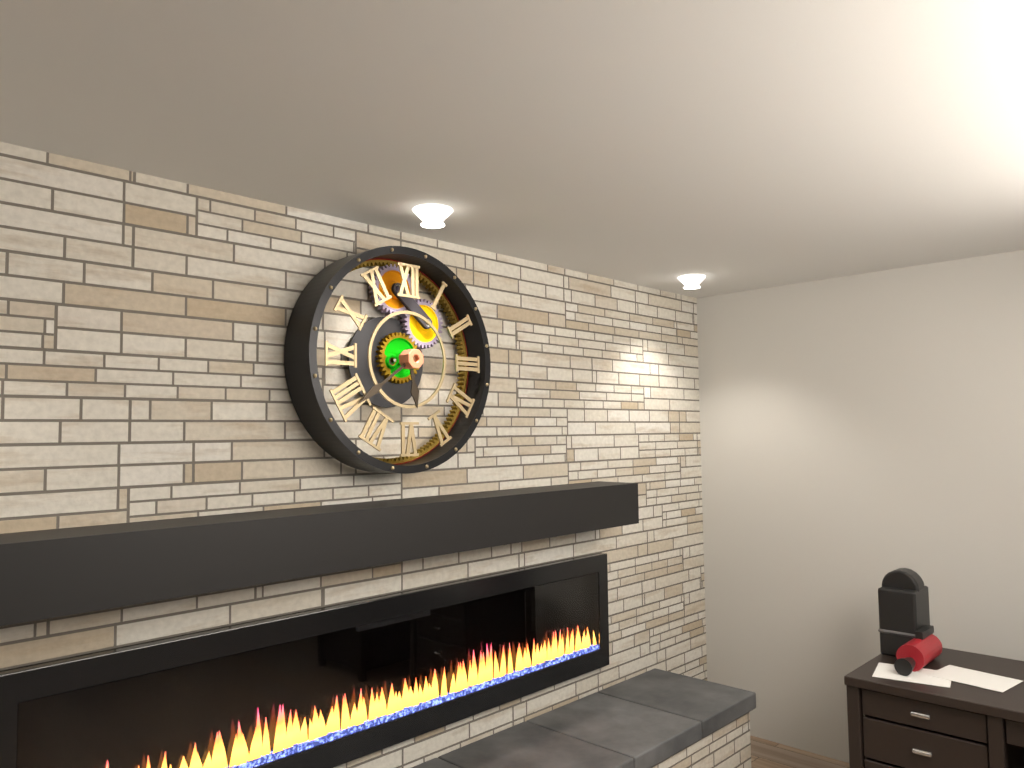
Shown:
5.39
